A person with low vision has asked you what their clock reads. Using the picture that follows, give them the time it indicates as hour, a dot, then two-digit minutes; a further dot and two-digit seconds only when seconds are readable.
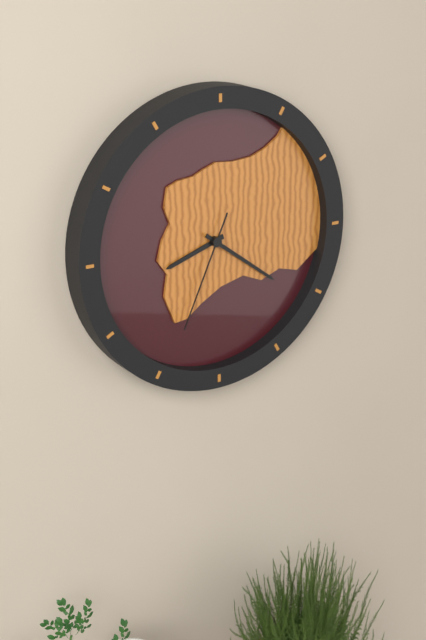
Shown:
8.21.34
